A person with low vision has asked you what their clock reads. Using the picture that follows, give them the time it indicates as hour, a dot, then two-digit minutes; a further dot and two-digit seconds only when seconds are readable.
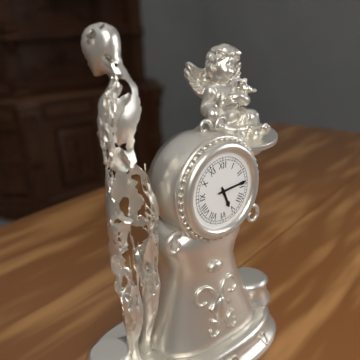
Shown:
5.14
